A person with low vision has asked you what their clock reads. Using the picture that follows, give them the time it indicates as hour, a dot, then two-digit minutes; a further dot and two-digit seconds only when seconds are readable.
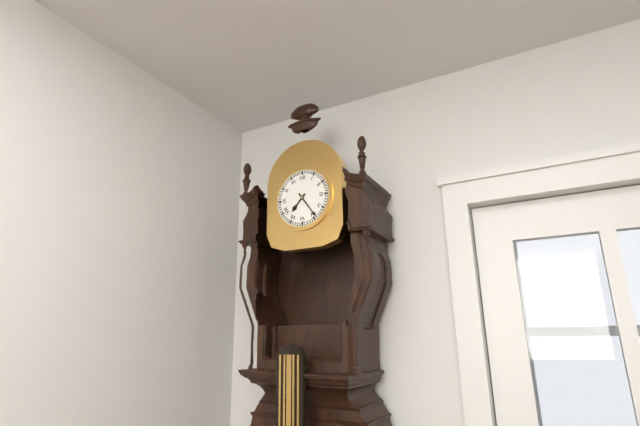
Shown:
7.24
